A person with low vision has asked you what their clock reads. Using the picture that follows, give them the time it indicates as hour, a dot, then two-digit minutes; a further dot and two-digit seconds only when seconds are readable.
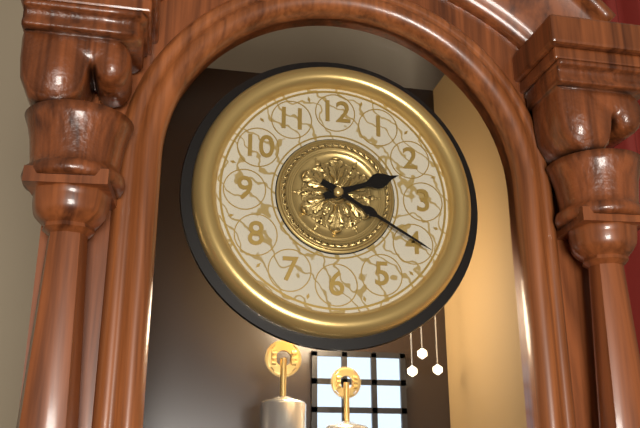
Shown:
2.20
